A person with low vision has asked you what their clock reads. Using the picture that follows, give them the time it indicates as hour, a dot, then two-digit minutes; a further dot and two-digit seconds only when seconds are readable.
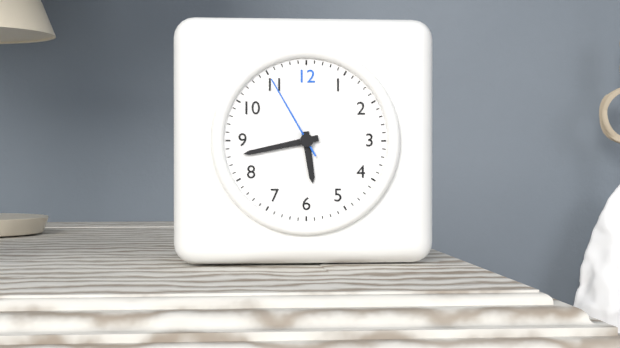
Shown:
5.43.55
